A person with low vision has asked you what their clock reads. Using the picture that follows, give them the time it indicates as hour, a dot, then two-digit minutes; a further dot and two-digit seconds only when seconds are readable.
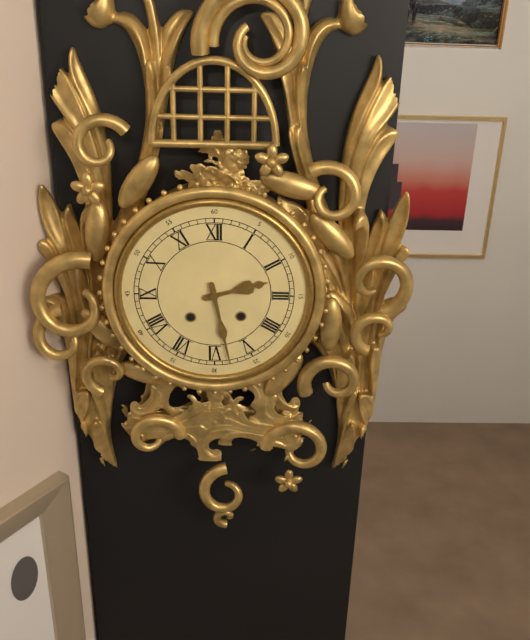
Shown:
2.28
